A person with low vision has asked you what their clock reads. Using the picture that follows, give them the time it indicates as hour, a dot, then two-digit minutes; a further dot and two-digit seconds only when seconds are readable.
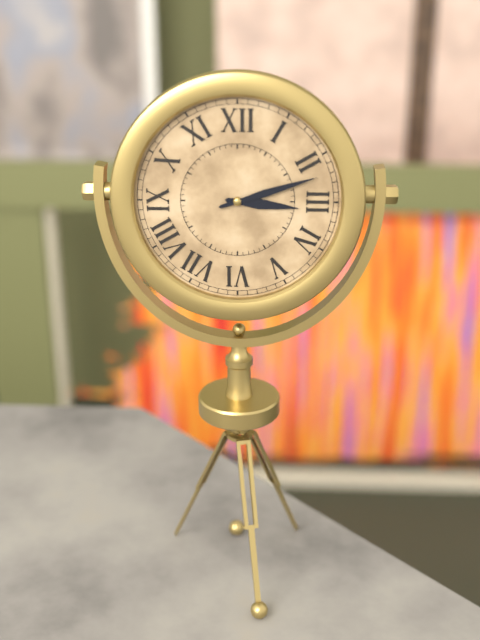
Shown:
3.12
